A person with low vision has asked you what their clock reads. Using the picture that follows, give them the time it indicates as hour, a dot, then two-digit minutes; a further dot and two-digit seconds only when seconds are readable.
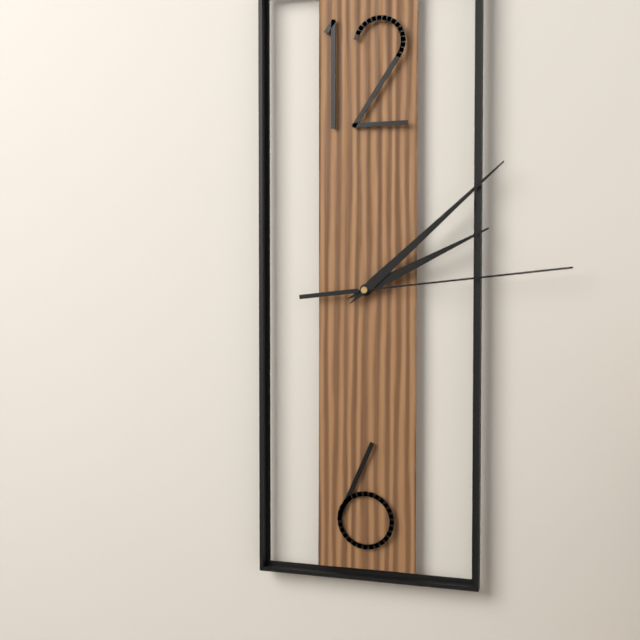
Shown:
2.08.14
